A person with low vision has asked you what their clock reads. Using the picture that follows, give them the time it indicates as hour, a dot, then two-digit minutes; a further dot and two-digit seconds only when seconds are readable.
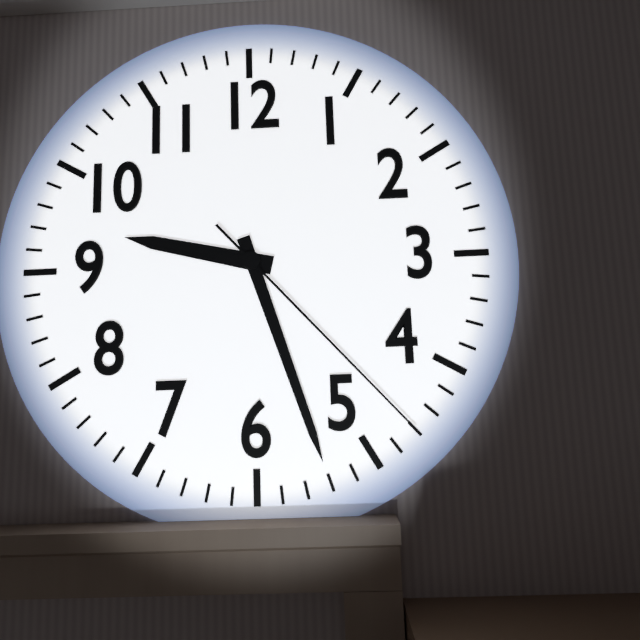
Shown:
9.27.23
